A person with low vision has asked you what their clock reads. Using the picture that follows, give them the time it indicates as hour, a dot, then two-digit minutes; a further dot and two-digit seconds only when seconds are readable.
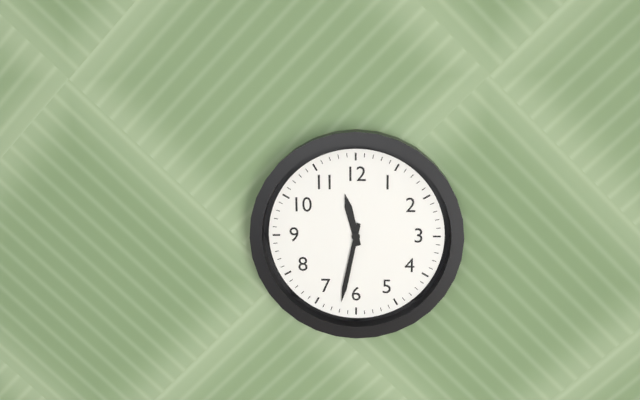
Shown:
11.32
